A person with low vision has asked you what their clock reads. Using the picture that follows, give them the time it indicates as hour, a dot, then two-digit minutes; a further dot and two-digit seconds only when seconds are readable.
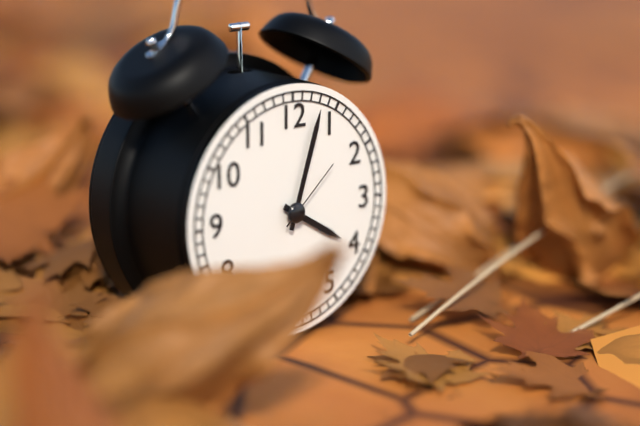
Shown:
4.03.08
